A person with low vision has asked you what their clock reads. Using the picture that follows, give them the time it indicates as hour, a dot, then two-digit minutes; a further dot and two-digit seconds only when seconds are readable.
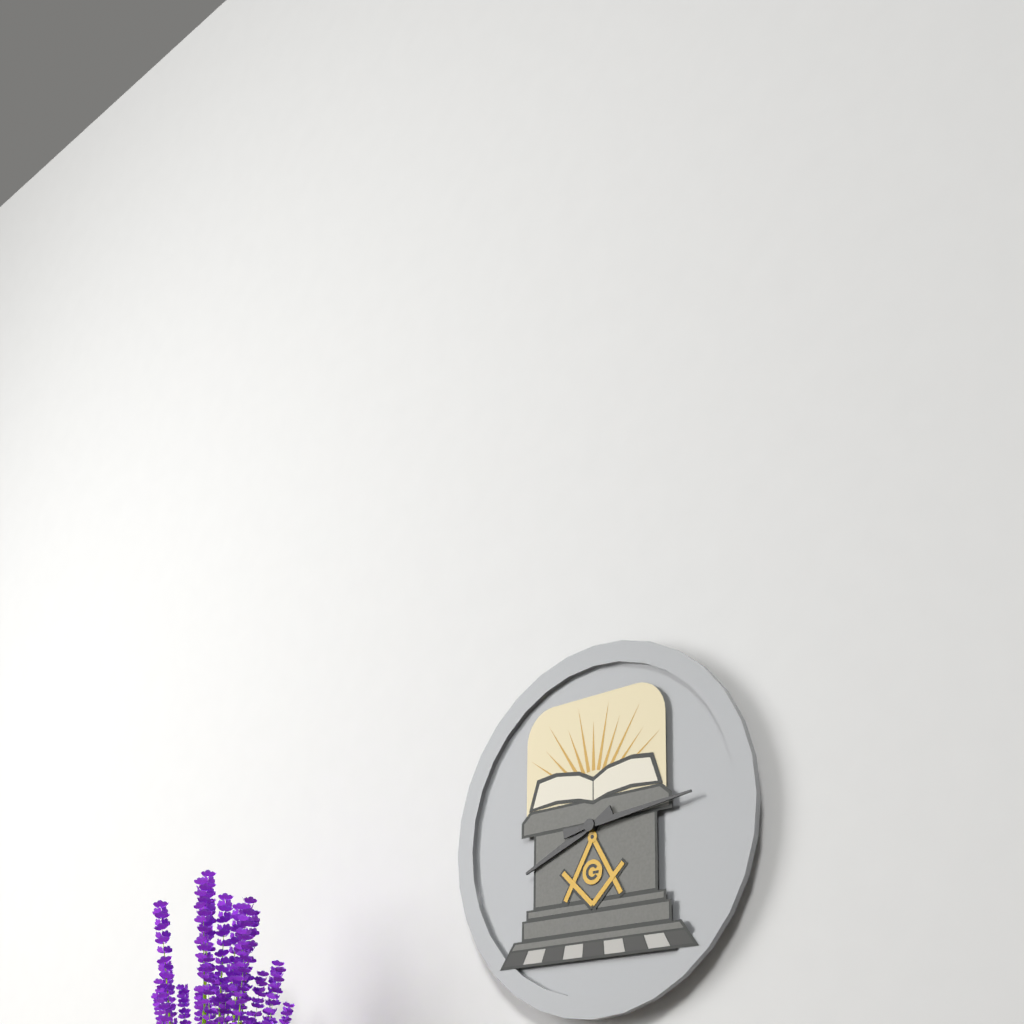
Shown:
8.14
